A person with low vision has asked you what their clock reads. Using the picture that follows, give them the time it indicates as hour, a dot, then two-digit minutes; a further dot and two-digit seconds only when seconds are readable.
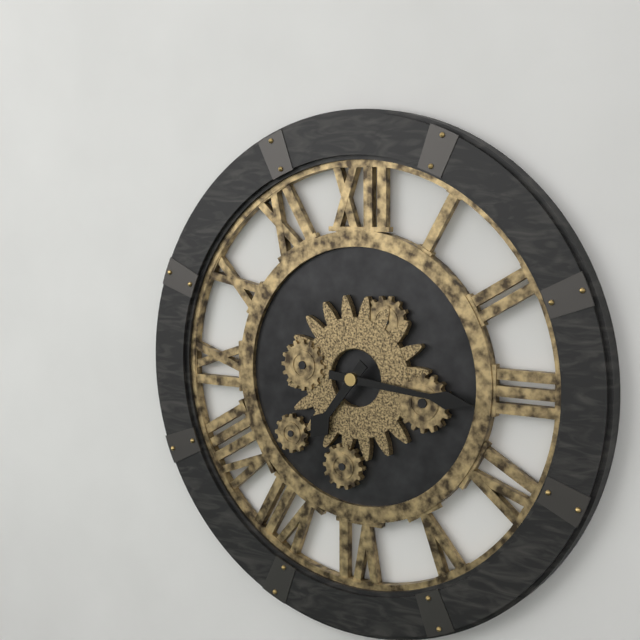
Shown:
7.16
